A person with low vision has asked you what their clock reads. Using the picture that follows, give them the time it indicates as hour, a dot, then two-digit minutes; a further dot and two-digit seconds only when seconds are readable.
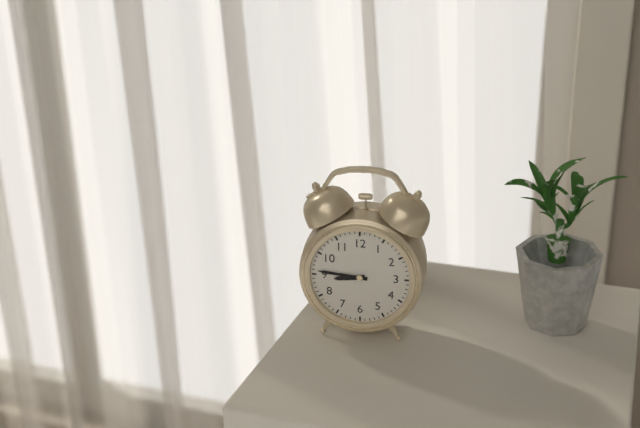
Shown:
8.46
